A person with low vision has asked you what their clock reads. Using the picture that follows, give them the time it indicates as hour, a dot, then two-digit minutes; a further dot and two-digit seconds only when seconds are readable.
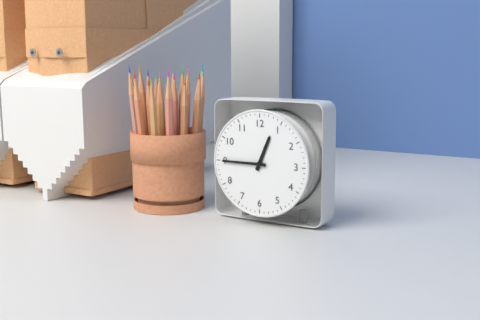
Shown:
12.45
